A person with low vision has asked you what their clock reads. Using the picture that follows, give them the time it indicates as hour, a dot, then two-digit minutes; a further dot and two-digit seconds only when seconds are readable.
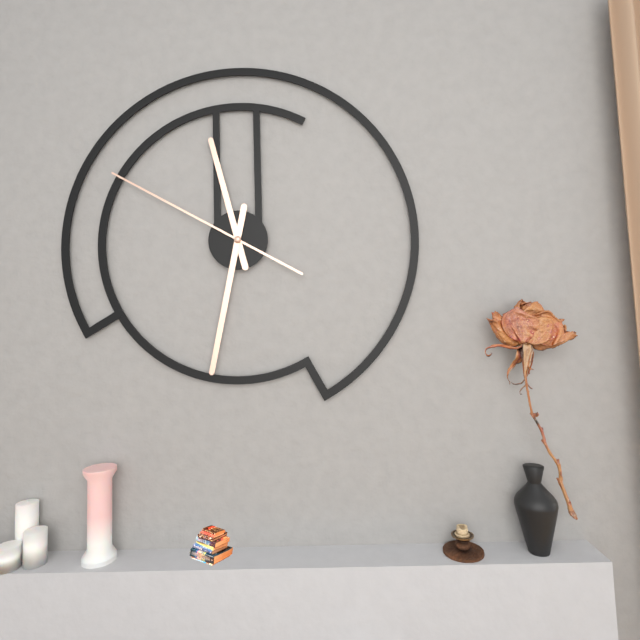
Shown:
11.32.50
